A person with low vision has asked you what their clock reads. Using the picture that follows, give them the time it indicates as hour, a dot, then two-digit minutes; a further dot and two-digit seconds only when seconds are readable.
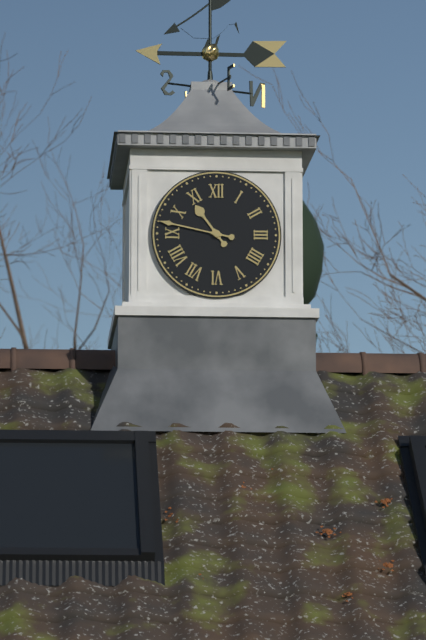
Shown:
10.47
